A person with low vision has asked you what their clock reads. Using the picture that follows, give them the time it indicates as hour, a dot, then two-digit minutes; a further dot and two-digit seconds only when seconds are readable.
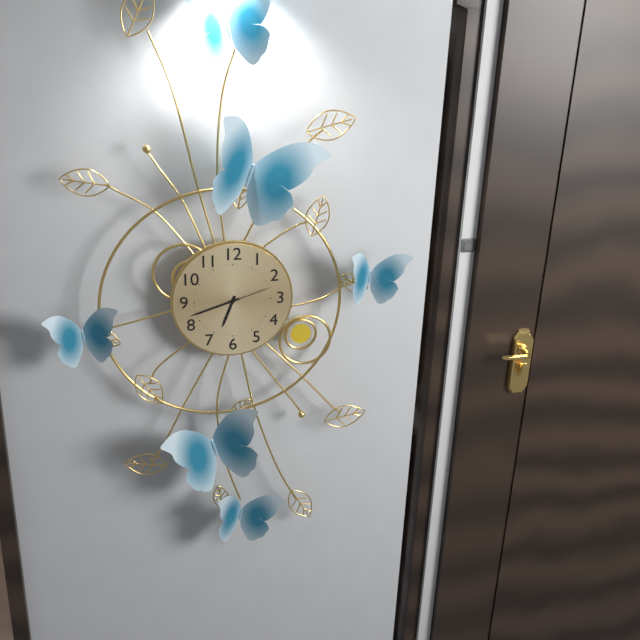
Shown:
6.42.12
